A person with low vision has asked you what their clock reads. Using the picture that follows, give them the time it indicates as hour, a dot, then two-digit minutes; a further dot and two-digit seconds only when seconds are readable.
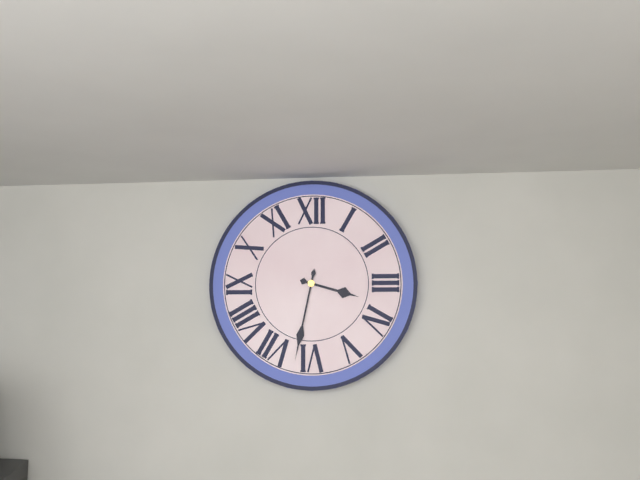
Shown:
3.32
